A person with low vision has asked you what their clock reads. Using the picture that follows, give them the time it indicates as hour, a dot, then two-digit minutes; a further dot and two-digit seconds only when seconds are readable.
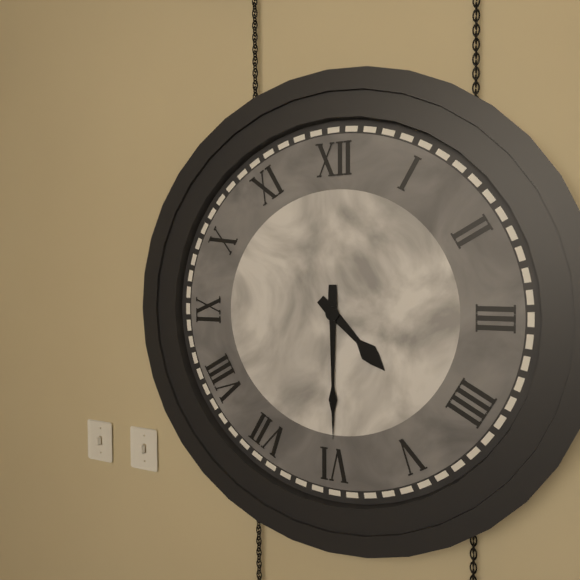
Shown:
4.30
